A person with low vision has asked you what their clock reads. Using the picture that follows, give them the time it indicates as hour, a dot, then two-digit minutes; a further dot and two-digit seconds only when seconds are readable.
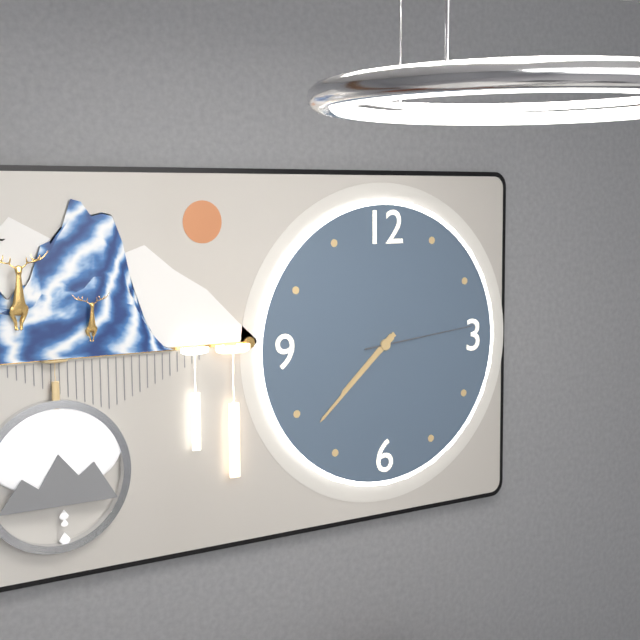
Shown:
7.38.14
